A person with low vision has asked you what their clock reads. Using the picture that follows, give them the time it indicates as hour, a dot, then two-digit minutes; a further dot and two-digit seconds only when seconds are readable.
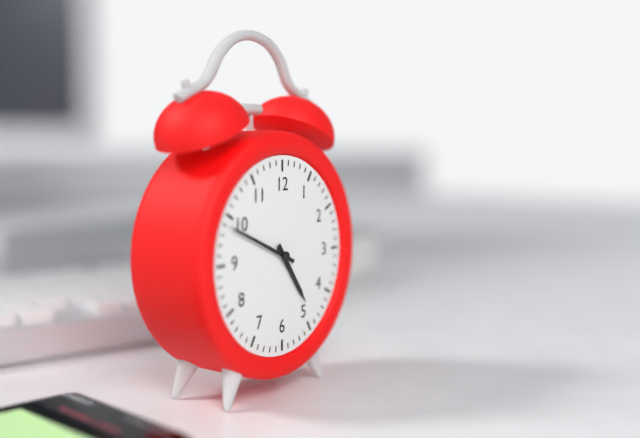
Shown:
4.49
